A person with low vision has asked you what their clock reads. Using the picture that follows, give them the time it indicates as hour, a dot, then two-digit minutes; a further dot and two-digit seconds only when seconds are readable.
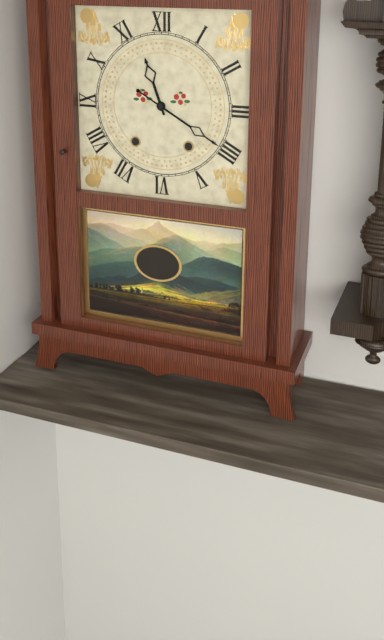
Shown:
11.20
